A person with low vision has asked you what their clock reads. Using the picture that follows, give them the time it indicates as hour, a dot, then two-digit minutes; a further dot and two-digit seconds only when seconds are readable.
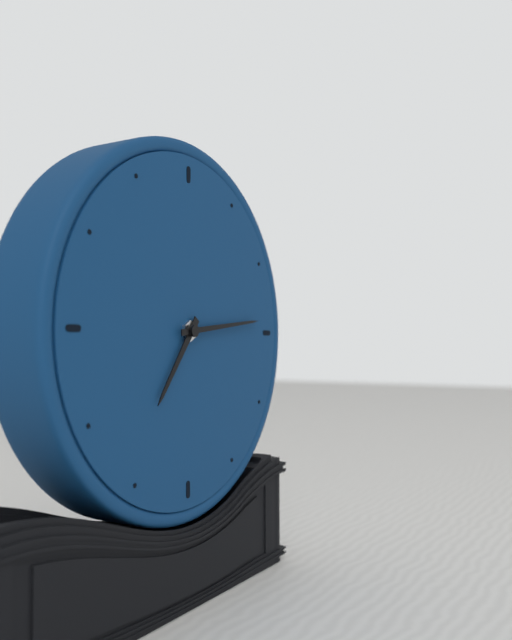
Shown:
7.14
